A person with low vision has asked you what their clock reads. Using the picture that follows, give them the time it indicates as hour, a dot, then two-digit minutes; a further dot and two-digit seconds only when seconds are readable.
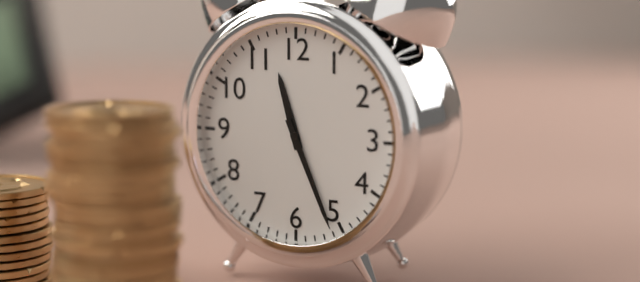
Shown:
11.26
